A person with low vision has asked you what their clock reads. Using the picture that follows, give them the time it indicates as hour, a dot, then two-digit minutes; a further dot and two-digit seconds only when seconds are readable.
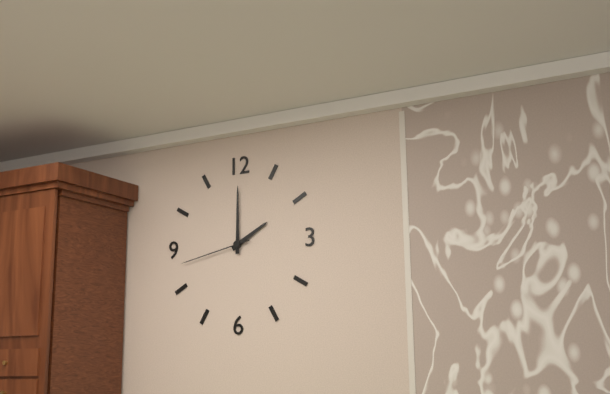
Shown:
2.00.43
